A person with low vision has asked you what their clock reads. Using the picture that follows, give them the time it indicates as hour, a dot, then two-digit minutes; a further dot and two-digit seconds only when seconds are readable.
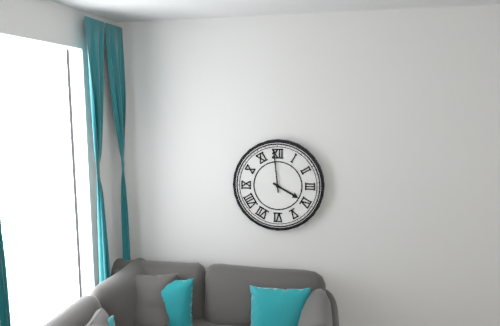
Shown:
3.59
